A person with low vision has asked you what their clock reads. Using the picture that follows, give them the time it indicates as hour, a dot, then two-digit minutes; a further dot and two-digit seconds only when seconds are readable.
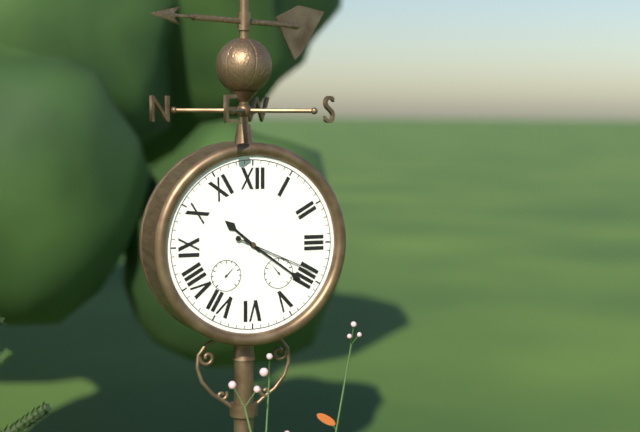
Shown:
10.21.19
